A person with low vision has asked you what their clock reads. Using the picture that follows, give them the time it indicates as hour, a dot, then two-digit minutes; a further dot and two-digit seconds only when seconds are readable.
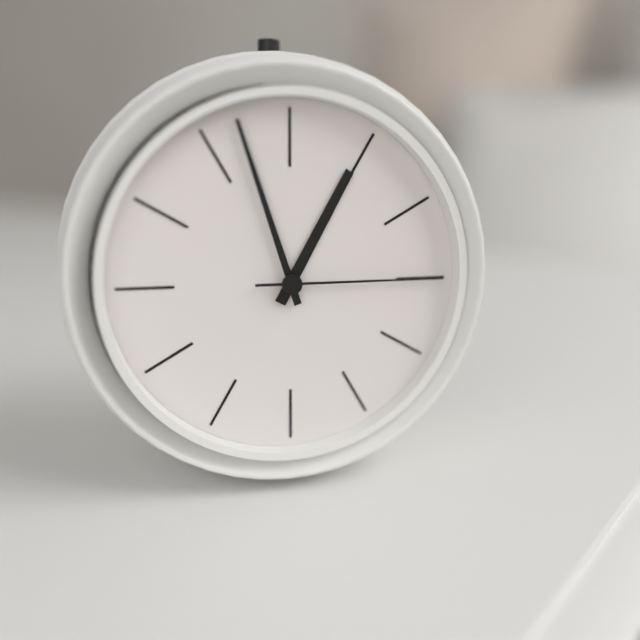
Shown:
12.57.15
